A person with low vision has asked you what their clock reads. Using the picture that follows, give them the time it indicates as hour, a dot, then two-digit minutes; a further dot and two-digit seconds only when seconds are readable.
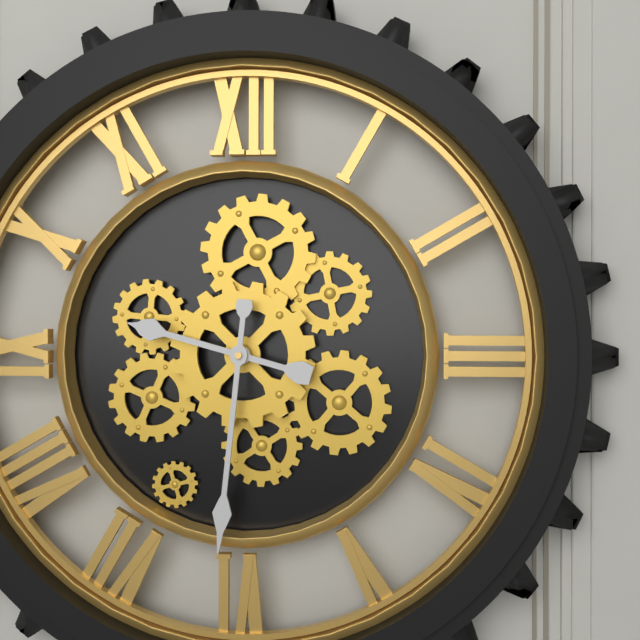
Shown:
9.31
